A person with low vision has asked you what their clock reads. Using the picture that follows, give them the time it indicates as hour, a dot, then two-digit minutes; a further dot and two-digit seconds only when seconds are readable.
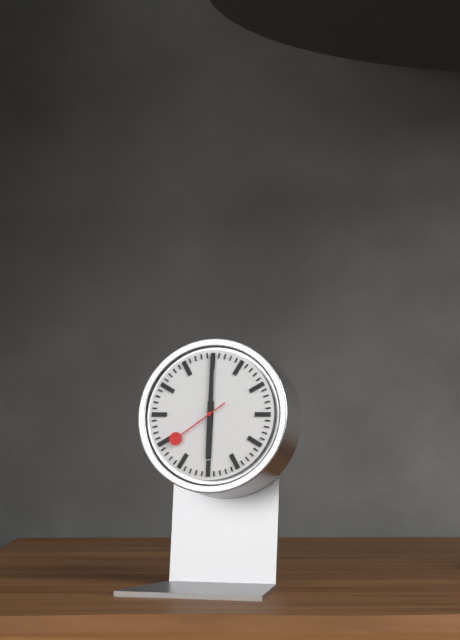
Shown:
6.00.39
